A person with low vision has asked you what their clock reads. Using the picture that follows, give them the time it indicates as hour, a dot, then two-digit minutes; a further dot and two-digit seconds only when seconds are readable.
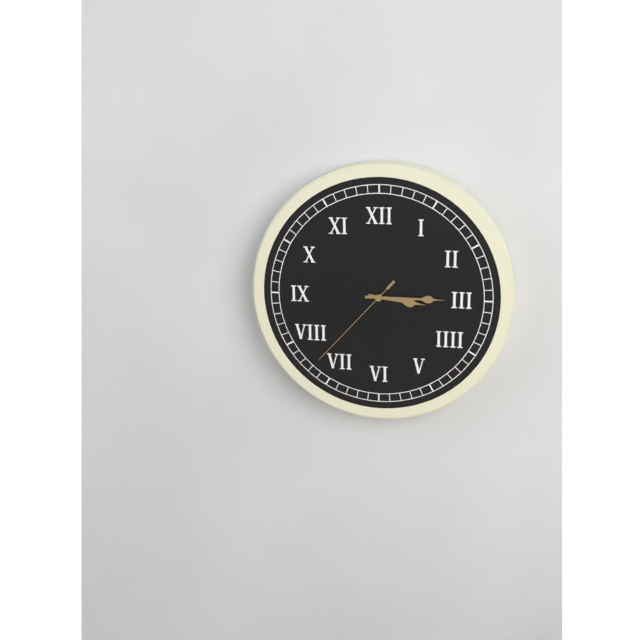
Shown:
3.15.37
